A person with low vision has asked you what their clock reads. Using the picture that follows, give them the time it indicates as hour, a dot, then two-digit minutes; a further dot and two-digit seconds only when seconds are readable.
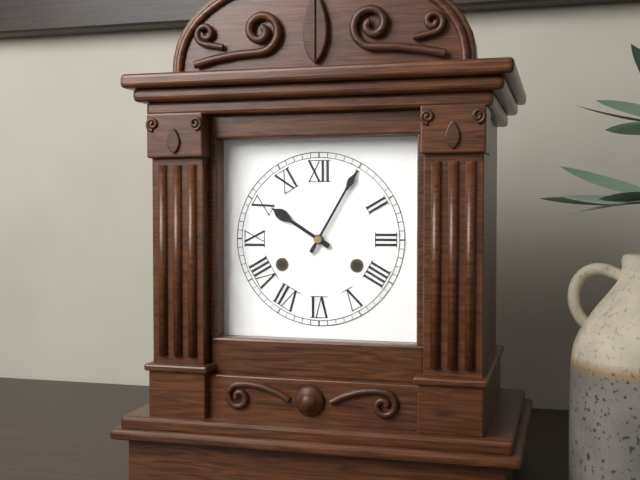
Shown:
10.05
